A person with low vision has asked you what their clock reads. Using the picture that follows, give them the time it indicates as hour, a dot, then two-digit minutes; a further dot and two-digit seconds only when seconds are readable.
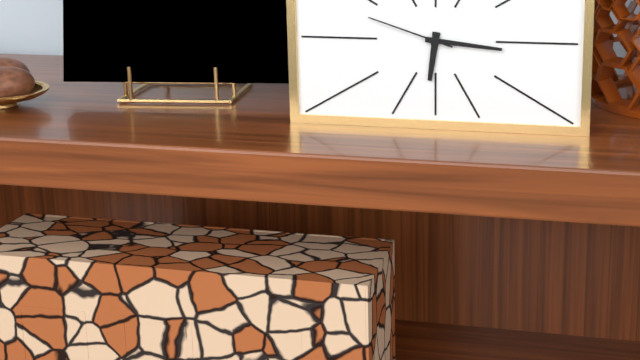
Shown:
6.16.48
